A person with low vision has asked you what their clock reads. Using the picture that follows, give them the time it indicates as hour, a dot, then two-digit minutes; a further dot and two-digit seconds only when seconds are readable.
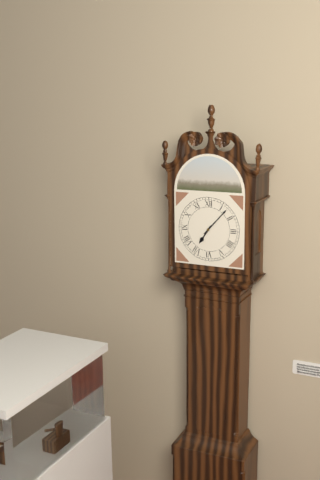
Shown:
7.07
